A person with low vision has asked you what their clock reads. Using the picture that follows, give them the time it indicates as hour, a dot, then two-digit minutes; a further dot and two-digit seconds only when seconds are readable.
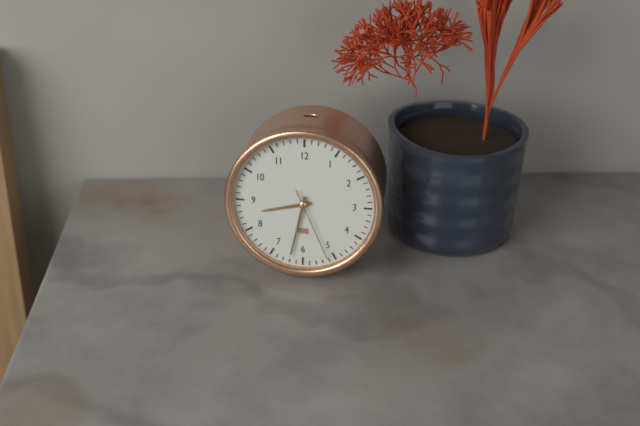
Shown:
8.32.26
